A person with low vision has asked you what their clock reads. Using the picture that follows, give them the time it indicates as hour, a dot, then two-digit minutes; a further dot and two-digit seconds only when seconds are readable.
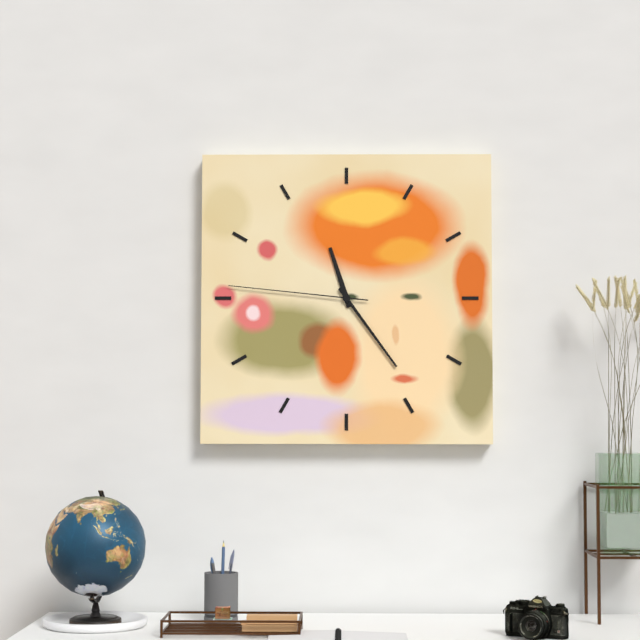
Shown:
11.24.46
